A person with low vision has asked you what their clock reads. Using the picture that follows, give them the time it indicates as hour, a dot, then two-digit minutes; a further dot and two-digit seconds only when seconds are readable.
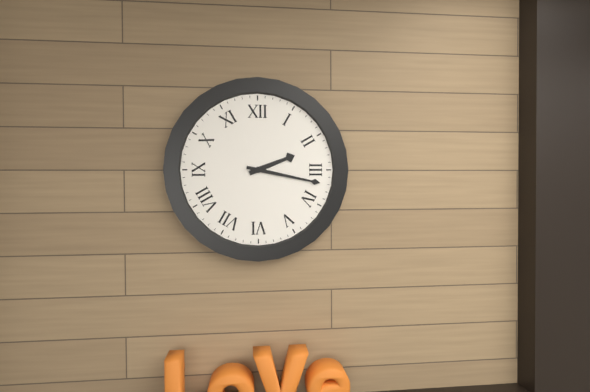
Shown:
2.17
